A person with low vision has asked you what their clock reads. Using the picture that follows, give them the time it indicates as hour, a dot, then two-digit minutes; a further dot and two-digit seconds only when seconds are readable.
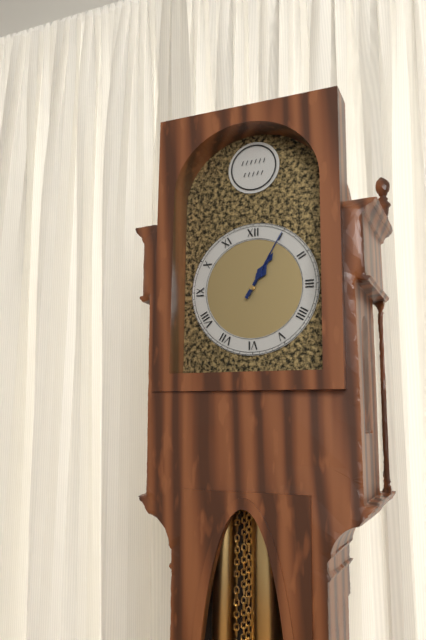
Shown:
1.05
